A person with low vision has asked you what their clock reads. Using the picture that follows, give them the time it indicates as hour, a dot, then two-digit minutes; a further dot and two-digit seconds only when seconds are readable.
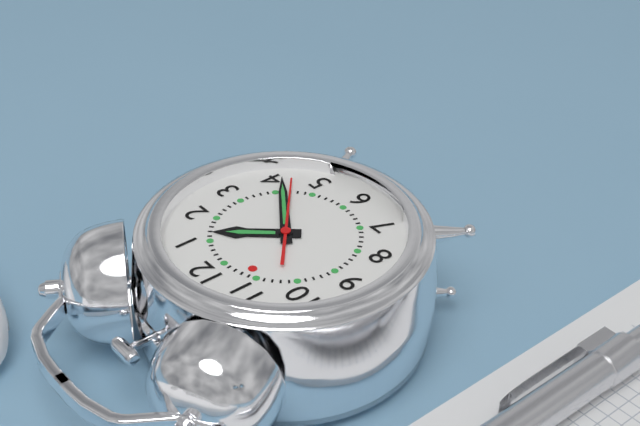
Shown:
1.21.22
